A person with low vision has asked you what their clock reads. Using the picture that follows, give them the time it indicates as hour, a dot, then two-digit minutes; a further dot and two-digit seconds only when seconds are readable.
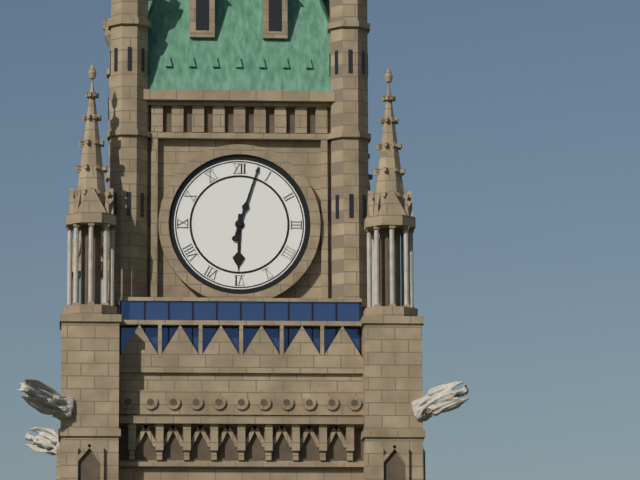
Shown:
6.03
